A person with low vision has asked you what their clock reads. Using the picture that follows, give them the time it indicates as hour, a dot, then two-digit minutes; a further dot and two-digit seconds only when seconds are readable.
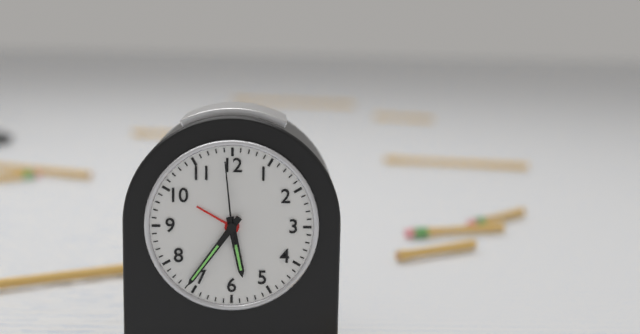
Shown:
5.36.59
